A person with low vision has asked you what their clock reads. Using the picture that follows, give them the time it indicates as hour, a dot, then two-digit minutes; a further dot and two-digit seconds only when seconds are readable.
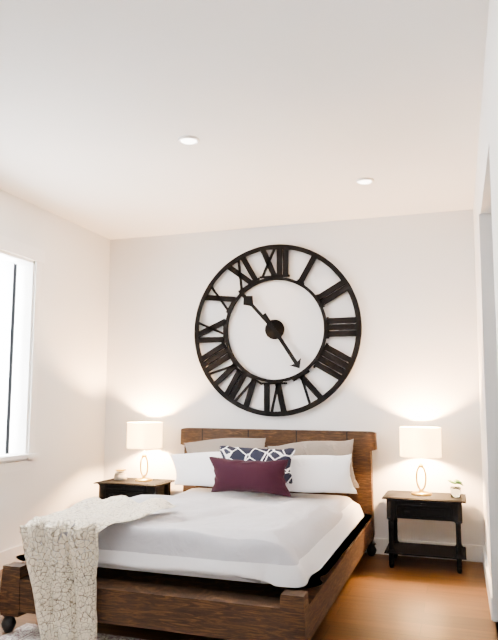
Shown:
4.53
